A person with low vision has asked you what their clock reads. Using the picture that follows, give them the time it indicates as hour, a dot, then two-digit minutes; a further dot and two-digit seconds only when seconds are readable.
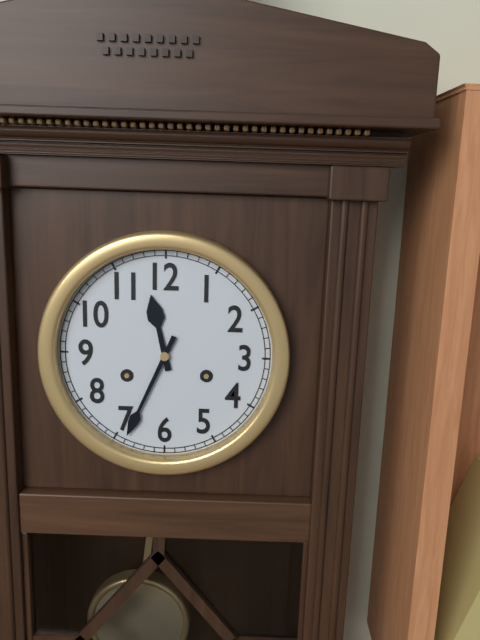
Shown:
11.34
